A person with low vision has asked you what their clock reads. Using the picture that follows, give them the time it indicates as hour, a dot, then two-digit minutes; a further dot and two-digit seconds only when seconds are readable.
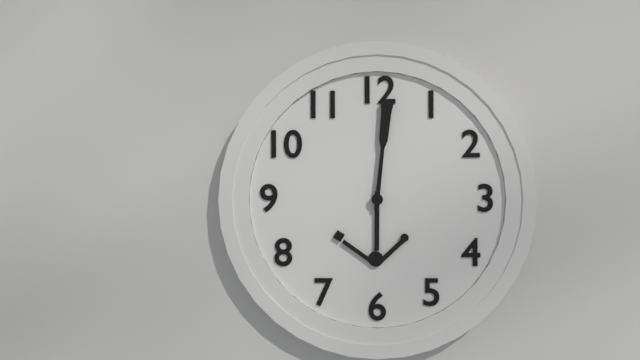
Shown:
6.01
